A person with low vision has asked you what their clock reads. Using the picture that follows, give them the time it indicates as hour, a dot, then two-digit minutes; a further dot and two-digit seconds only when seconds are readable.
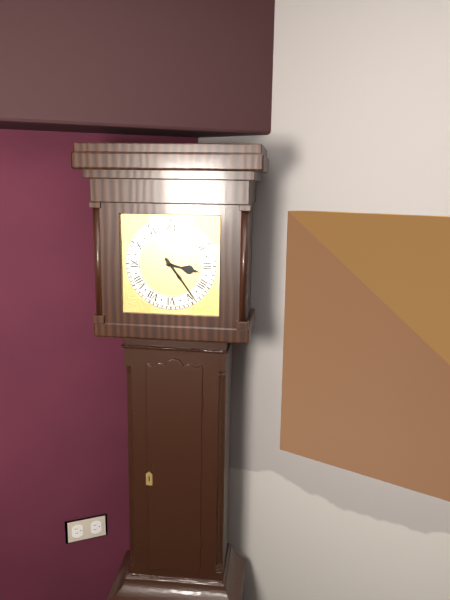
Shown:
3.24
